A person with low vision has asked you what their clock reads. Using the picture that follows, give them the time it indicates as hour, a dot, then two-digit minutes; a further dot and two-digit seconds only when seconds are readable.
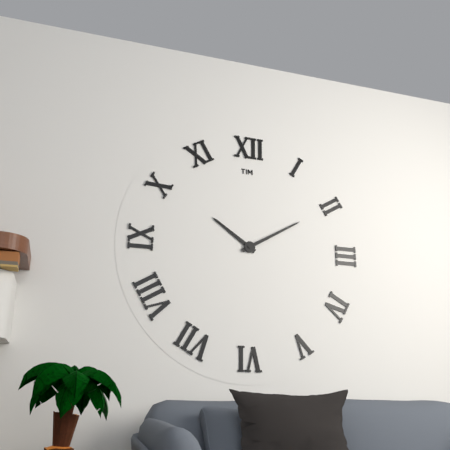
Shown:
10.10
